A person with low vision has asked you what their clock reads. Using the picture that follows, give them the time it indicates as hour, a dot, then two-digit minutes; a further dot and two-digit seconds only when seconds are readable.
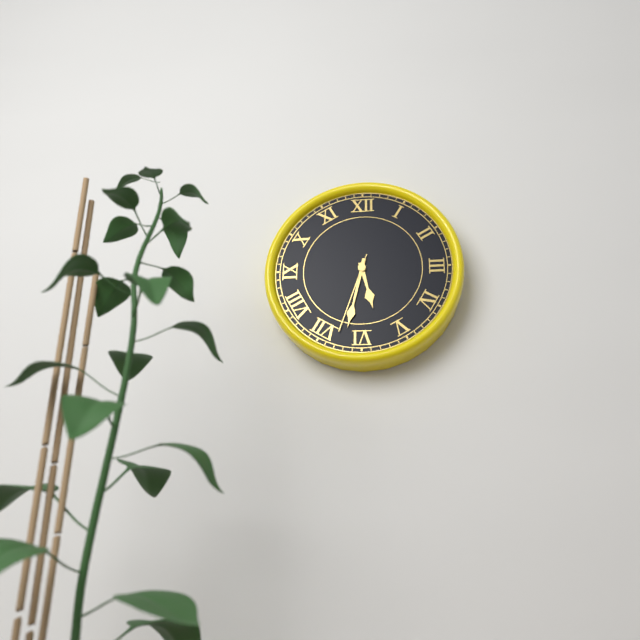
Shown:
5.32.33
